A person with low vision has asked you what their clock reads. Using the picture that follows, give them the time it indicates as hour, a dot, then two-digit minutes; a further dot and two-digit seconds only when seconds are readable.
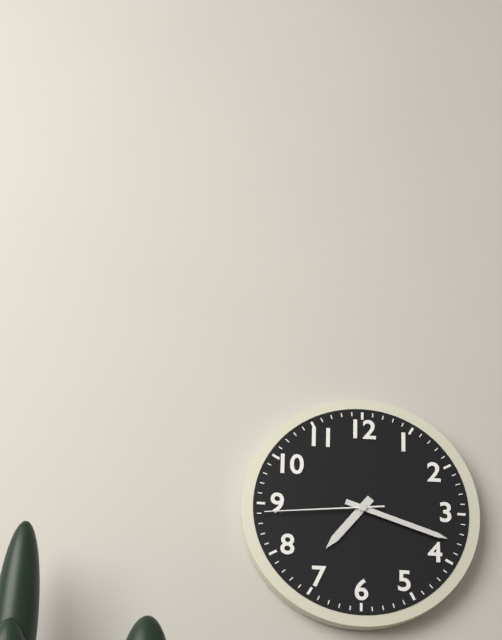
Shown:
7.18.44
